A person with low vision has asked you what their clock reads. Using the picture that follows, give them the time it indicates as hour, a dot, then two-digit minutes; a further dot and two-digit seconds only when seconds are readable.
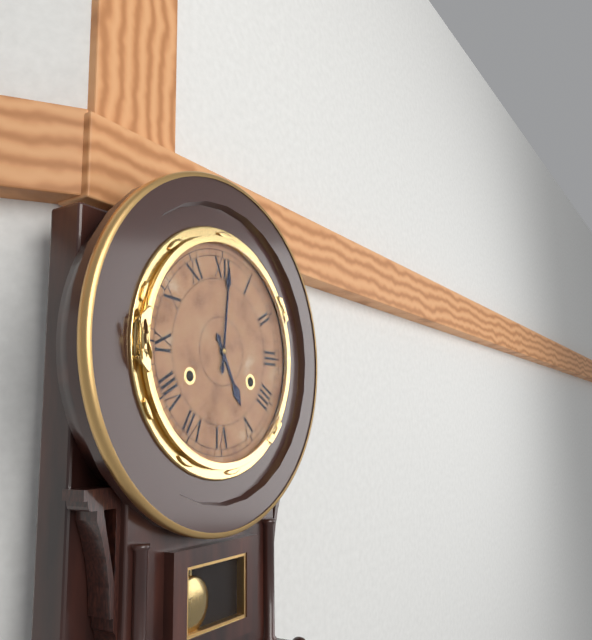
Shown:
5.01
